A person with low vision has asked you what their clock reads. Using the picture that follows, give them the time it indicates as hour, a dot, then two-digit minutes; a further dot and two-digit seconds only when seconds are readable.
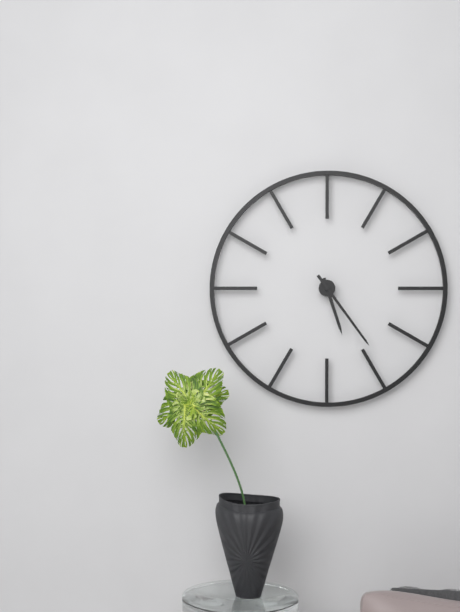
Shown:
5.24
